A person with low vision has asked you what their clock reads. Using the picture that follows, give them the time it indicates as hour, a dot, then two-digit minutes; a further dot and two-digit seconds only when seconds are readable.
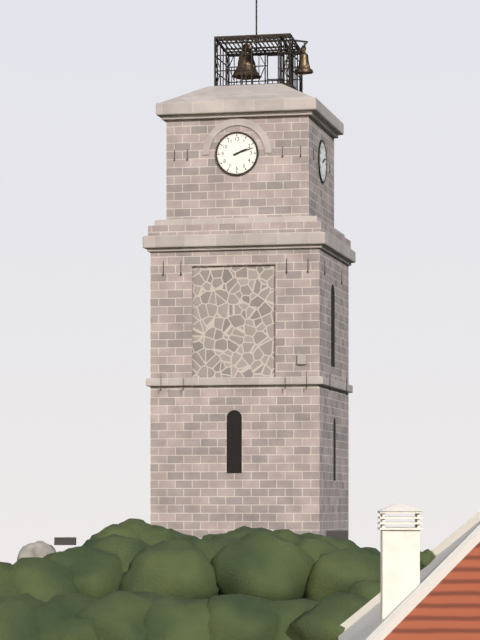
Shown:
2.12
